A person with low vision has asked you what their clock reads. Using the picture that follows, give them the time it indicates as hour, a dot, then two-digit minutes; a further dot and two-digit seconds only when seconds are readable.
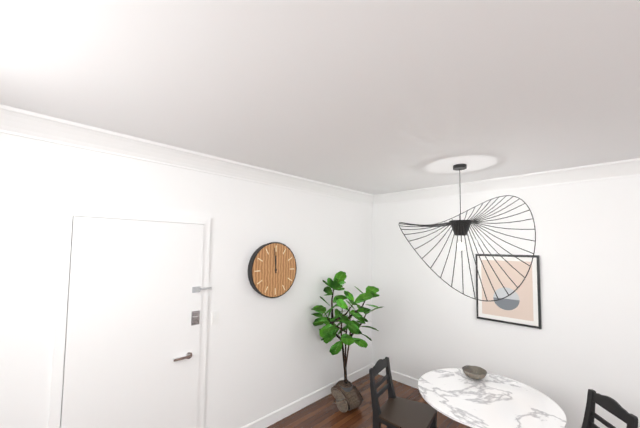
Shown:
11.59
